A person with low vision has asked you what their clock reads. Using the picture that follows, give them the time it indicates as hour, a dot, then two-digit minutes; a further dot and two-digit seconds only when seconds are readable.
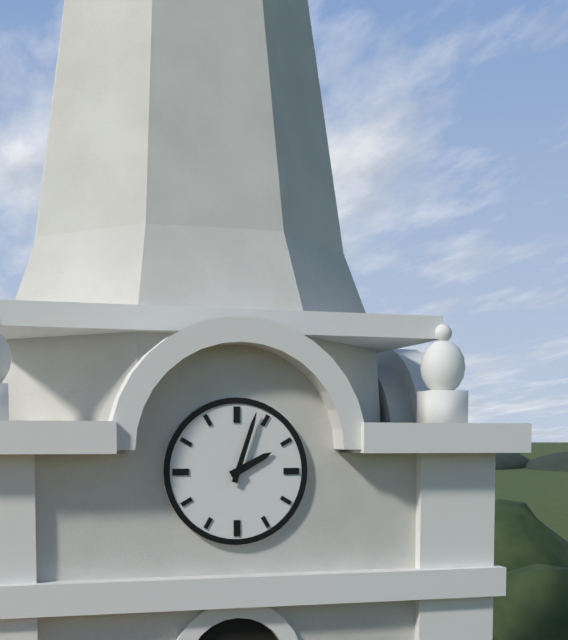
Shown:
2.03
